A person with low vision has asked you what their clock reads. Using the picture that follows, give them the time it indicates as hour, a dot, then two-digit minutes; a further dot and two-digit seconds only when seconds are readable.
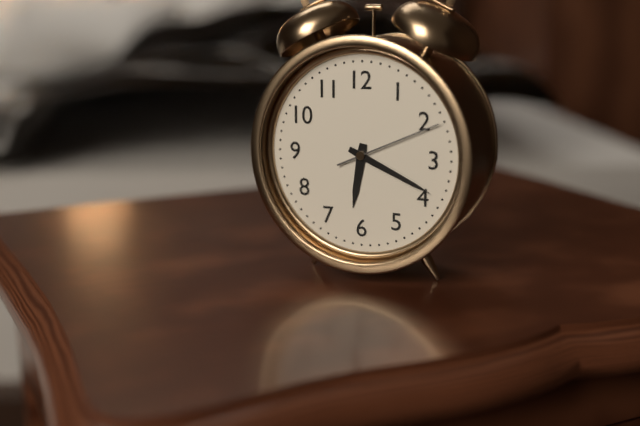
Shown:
6.19.11
